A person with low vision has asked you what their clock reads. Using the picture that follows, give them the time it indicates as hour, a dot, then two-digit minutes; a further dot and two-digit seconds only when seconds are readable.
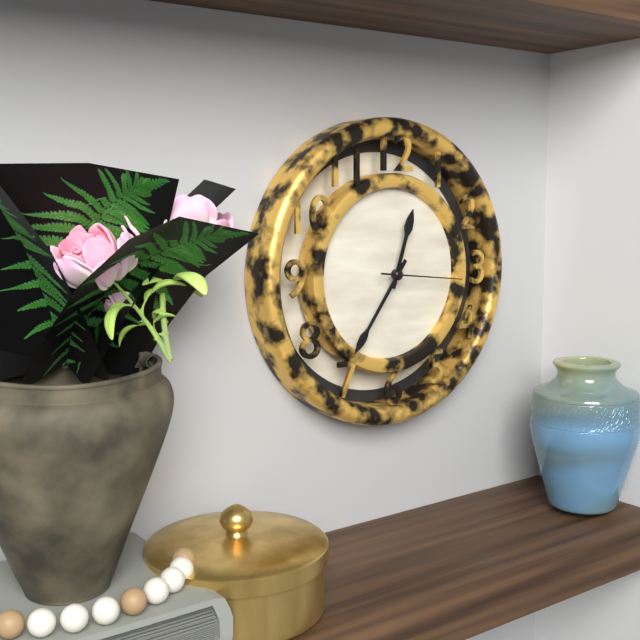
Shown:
12.36.16
